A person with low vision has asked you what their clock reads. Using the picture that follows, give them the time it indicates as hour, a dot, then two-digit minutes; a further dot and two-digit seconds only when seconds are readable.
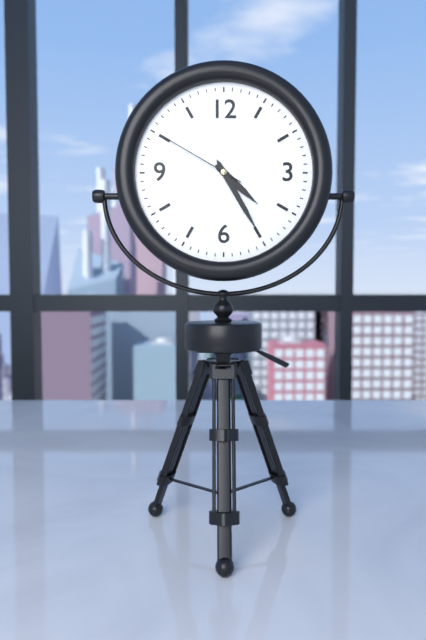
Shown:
4.25.50
